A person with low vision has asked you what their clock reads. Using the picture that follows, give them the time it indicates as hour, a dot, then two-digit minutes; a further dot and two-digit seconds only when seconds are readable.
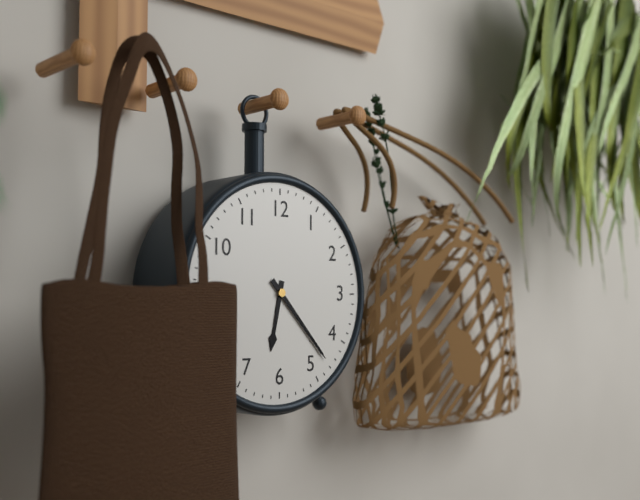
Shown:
6.23
